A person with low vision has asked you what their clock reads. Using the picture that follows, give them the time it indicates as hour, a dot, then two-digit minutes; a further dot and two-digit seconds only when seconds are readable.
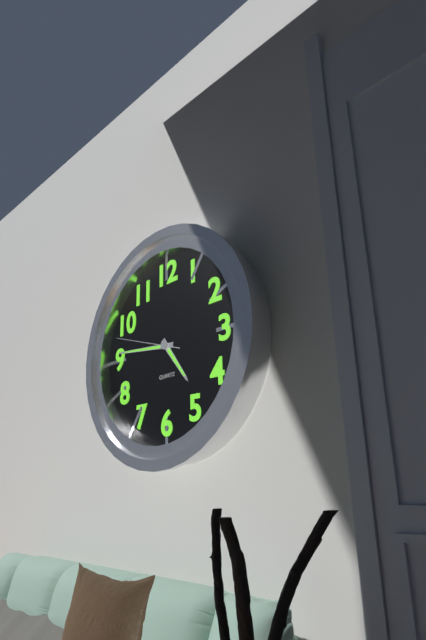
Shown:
4.46.48
